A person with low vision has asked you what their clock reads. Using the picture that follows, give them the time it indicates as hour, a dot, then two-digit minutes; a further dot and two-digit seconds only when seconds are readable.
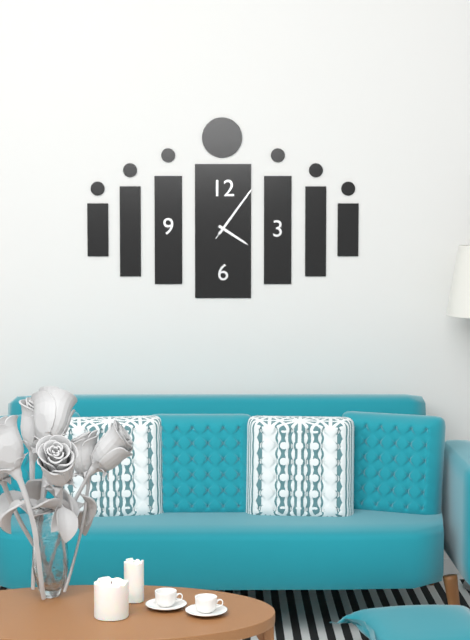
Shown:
4.06.06
